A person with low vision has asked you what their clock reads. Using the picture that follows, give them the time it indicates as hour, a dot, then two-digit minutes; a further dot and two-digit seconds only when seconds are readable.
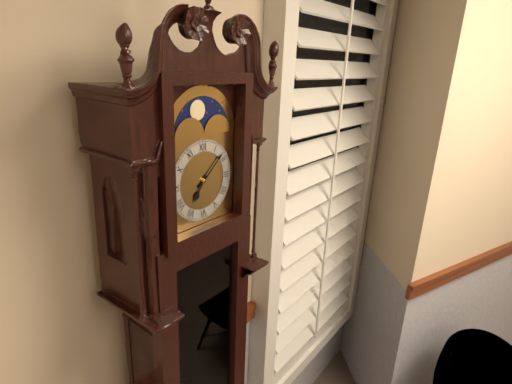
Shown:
7.08
